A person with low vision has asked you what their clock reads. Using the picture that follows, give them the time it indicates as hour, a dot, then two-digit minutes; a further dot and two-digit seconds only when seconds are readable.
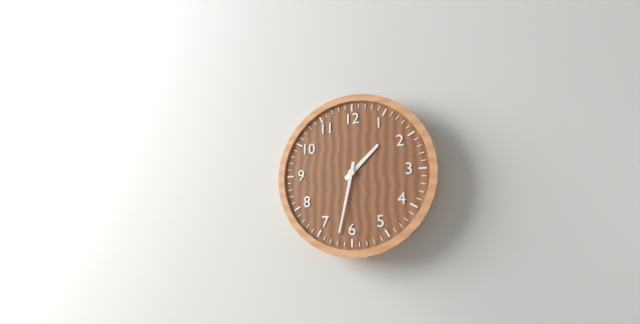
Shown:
1.32
